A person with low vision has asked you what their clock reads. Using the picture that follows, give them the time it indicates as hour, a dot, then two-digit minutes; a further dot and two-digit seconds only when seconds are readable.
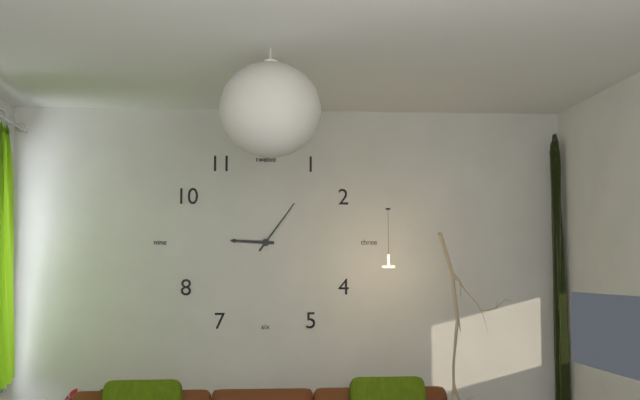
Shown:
9.06
